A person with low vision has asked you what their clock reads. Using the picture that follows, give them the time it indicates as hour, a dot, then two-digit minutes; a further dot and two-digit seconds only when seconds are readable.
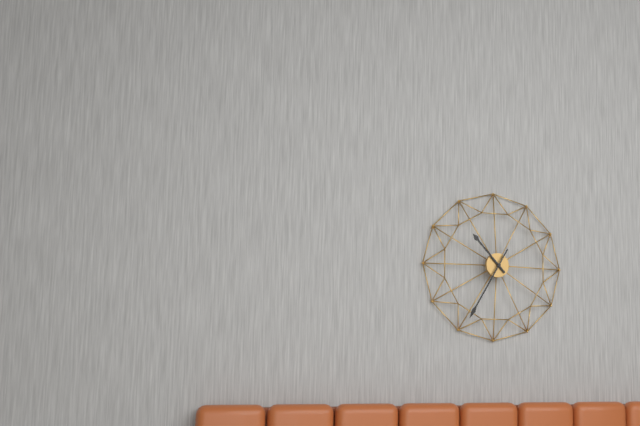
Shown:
10.35
